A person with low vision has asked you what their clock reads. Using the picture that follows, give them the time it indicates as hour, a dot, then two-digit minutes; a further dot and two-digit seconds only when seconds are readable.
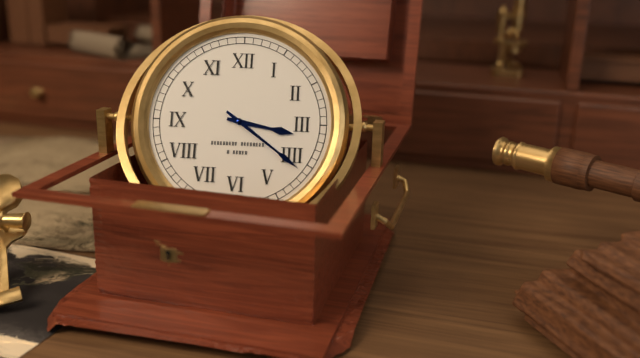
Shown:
3.21
